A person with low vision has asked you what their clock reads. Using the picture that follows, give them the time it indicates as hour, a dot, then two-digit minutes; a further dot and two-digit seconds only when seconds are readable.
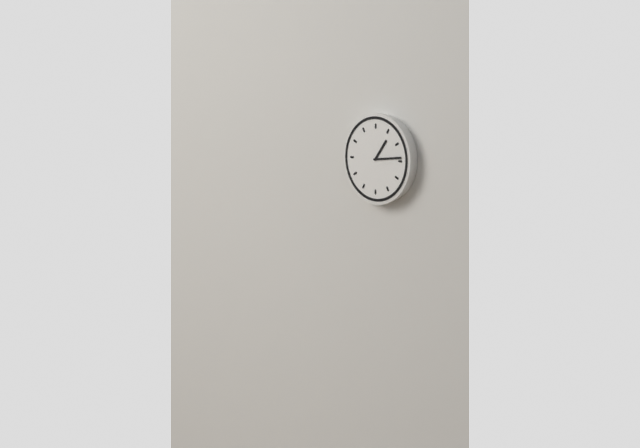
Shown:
1.14
